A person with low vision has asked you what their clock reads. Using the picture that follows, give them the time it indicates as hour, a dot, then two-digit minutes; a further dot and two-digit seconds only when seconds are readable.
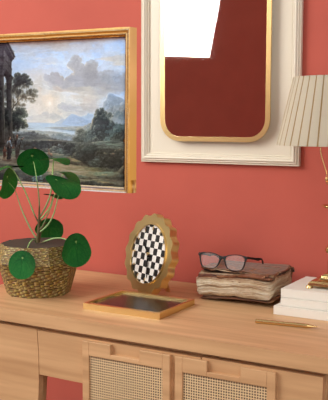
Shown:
10.28
